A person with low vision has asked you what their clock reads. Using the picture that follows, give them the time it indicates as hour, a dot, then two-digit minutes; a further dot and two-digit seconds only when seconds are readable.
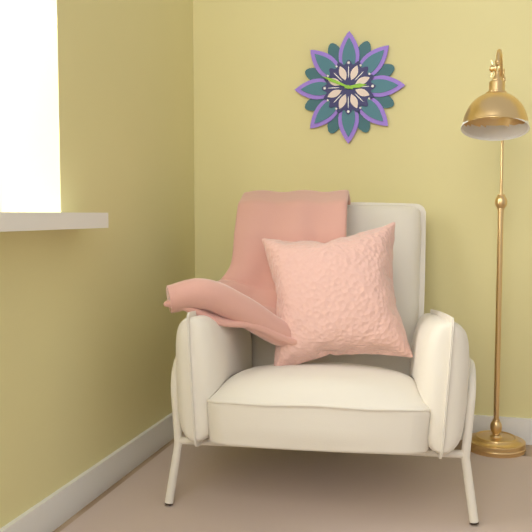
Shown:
2.49
